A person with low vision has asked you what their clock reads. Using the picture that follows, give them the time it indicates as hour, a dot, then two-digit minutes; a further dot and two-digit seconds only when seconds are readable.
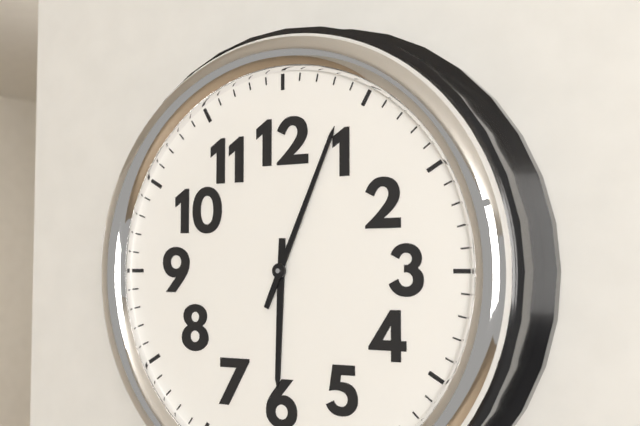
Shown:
6.04
